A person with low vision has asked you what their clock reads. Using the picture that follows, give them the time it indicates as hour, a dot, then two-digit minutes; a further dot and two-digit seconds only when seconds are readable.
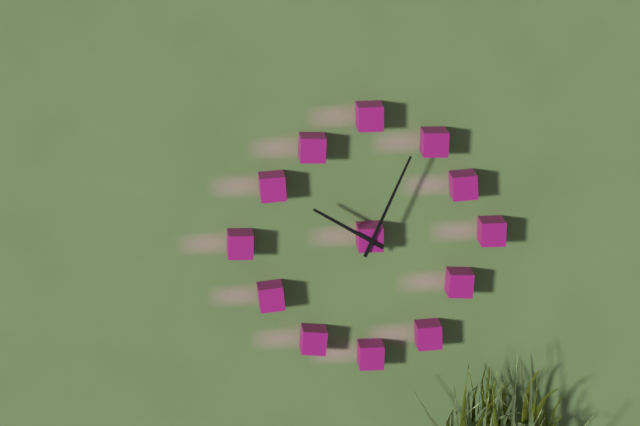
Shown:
10.04
